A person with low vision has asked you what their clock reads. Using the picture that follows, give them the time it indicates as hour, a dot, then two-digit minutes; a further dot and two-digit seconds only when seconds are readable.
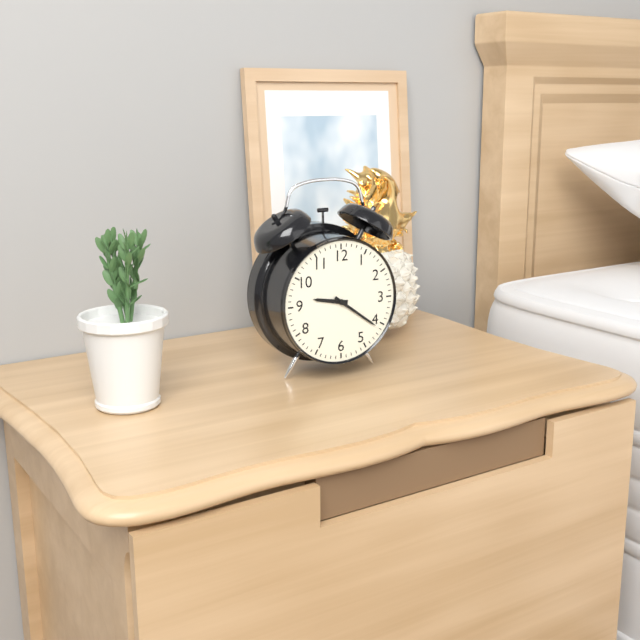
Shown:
9.21
